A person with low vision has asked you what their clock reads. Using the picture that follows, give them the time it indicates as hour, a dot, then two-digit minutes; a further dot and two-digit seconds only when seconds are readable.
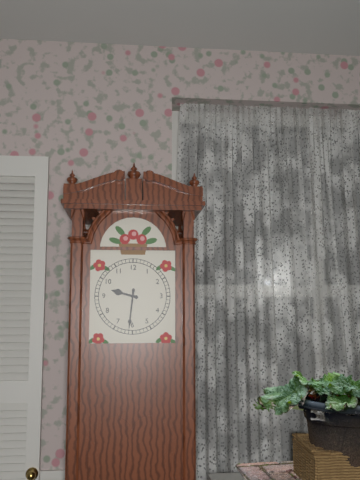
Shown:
9.31
